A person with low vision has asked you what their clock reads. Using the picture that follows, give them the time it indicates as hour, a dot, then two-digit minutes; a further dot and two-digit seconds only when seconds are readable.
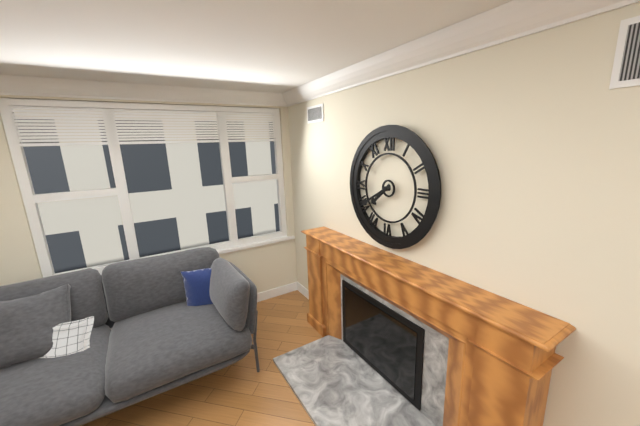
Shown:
7.40
